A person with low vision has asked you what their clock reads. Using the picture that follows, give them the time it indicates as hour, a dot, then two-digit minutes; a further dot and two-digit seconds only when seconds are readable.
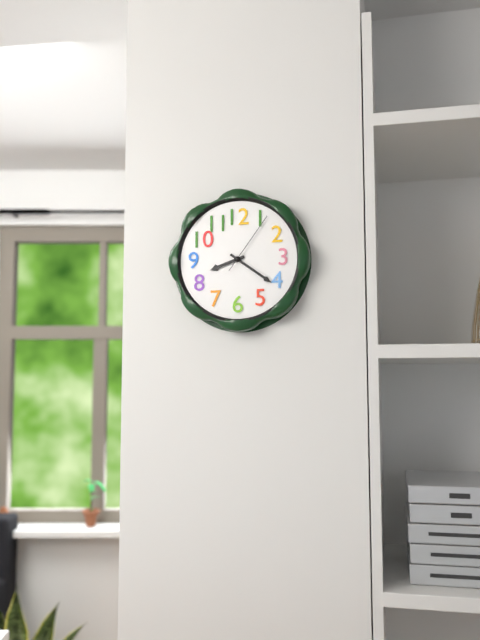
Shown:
8.21.06
